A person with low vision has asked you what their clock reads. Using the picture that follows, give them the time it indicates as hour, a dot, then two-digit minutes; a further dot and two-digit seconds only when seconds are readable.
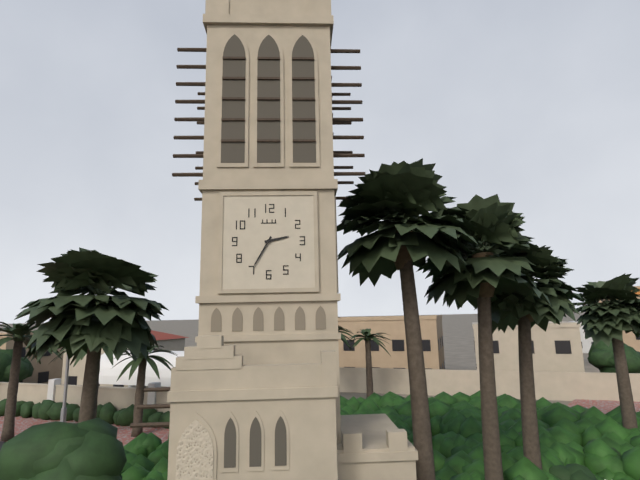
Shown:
2.35
